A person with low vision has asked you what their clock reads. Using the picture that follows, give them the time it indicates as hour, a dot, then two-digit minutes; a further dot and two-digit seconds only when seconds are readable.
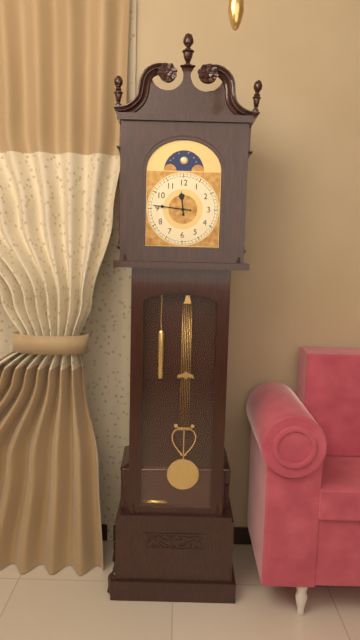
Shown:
11.46
